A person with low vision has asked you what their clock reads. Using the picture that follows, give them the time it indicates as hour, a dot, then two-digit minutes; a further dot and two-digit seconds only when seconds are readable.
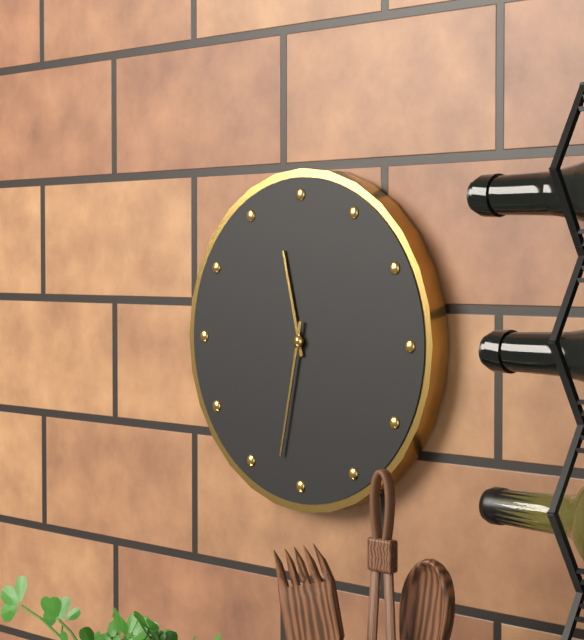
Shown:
11.32
